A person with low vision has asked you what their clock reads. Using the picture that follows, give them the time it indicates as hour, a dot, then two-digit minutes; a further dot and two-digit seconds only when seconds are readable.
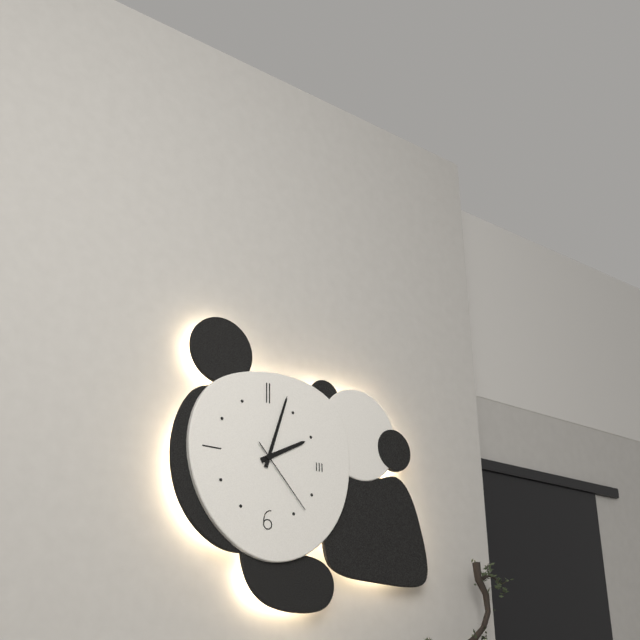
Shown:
2.03.23
